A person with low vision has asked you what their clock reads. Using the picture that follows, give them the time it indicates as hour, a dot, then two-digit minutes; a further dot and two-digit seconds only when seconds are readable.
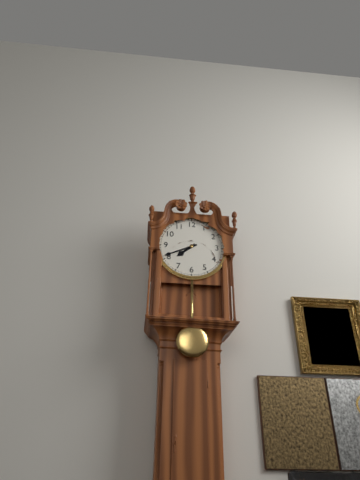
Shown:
7.41
